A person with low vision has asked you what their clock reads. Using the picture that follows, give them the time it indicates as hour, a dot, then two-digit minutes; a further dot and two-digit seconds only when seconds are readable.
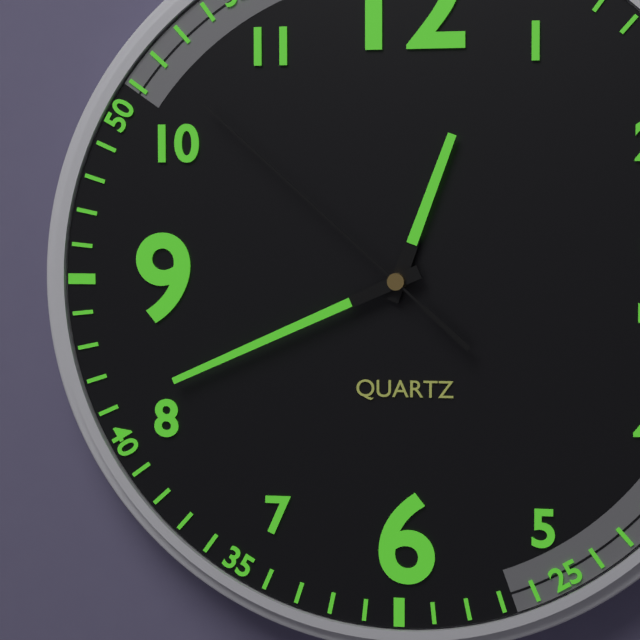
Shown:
12.41.52
